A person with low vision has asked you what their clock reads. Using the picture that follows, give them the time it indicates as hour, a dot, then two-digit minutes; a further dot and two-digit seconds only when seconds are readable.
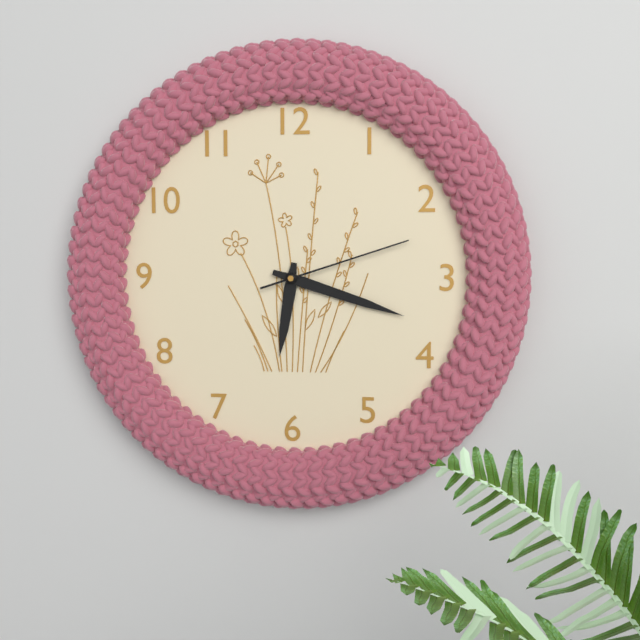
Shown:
6.18.12
